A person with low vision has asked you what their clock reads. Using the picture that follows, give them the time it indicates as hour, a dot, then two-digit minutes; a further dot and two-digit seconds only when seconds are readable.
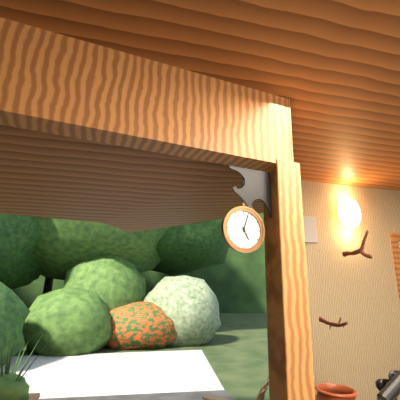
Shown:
5.03
